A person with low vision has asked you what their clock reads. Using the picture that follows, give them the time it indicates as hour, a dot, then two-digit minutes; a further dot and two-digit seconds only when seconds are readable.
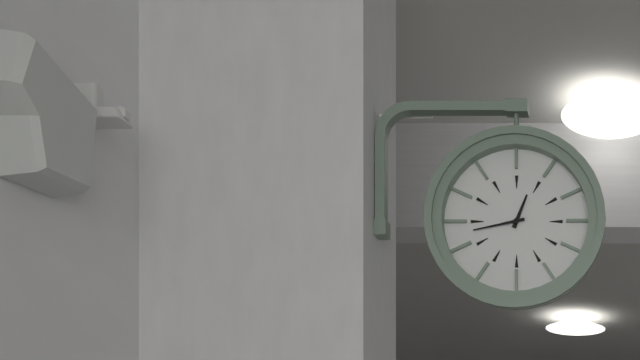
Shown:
12.43
